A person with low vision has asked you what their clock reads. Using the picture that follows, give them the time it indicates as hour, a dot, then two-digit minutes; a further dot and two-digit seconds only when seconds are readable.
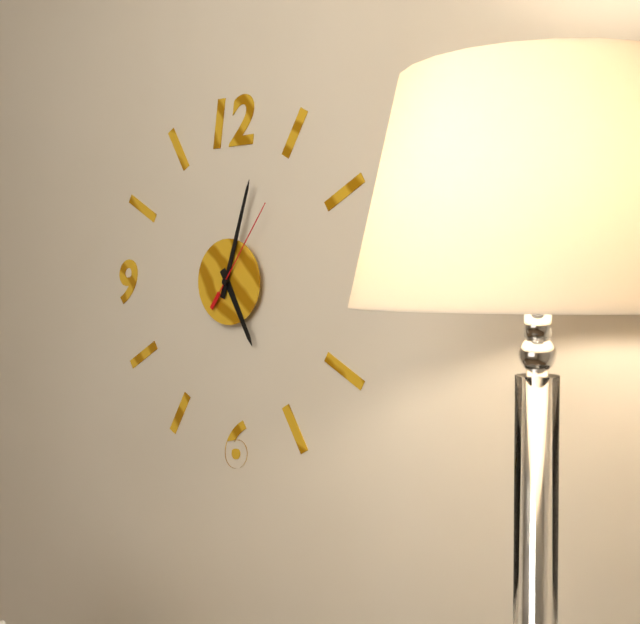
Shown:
5.03.06
